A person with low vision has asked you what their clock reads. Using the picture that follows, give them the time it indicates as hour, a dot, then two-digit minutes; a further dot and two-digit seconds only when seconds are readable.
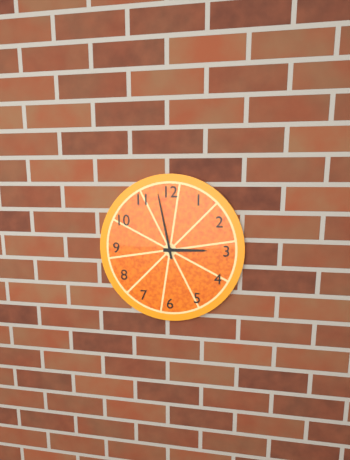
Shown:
2.58
